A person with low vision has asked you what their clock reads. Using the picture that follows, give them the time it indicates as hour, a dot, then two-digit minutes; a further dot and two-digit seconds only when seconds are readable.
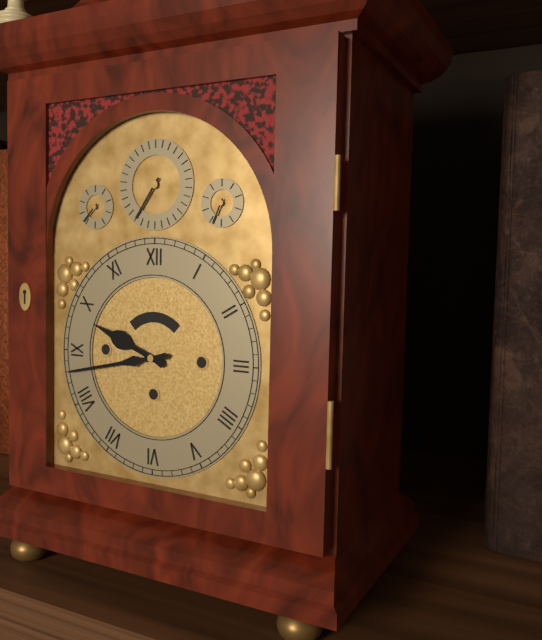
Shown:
9.43
